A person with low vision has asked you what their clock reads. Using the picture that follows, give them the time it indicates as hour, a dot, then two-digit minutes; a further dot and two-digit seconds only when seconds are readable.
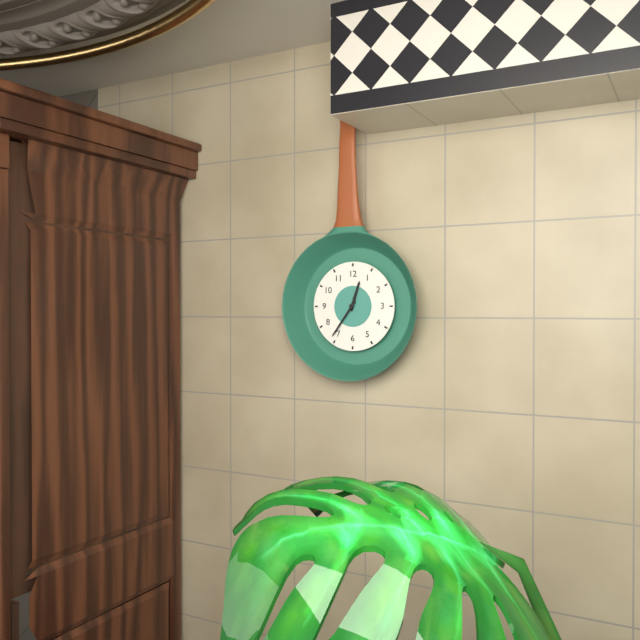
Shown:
12.36
